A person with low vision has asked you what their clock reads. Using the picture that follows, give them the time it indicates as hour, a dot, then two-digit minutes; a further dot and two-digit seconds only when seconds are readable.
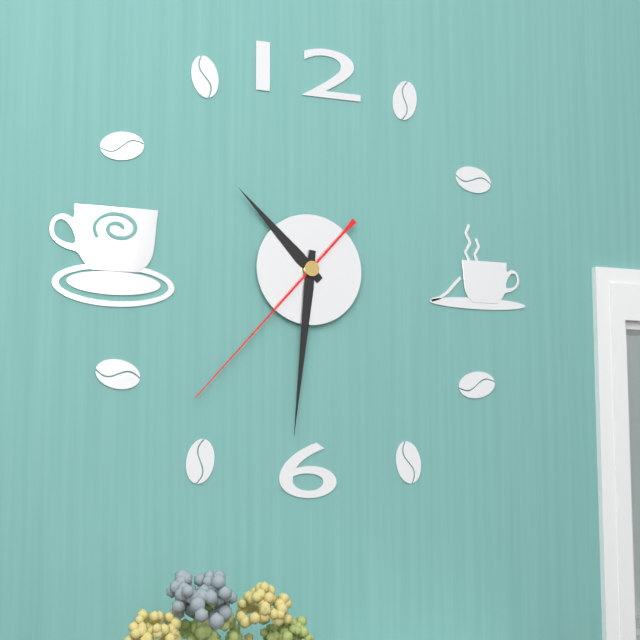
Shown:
10.31.37
